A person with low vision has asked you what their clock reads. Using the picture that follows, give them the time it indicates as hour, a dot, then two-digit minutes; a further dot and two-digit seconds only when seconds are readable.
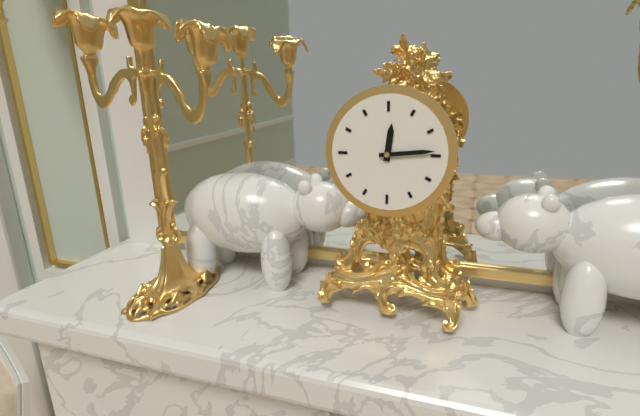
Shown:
12.14
